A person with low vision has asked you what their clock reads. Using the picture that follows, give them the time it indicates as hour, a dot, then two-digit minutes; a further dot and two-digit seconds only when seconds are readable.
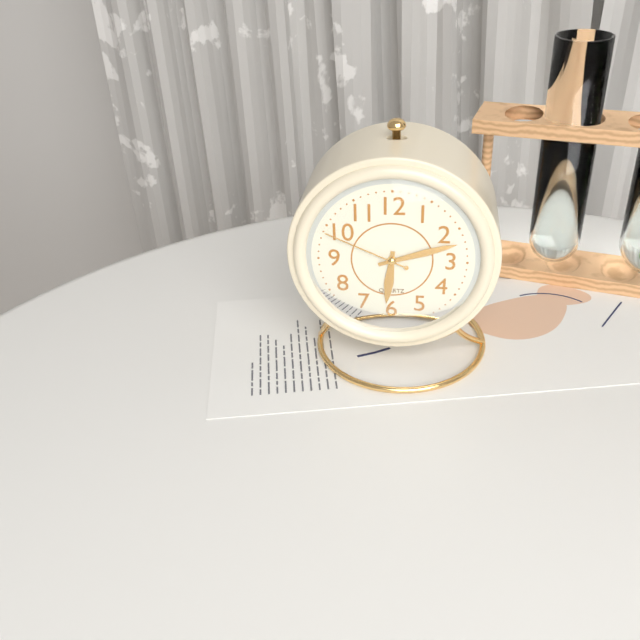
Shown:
6.12.49
